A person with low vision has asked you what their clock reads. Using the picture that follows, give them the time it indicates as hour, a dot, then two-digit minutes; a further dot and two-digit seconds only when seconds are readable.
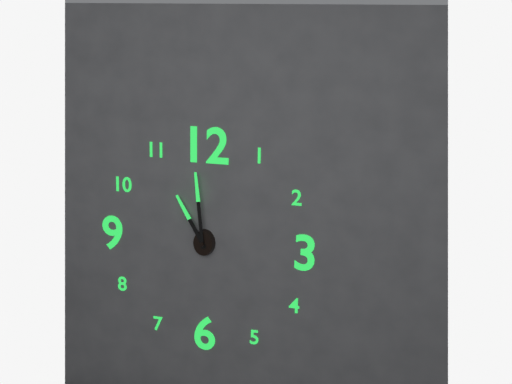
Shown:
10.59
